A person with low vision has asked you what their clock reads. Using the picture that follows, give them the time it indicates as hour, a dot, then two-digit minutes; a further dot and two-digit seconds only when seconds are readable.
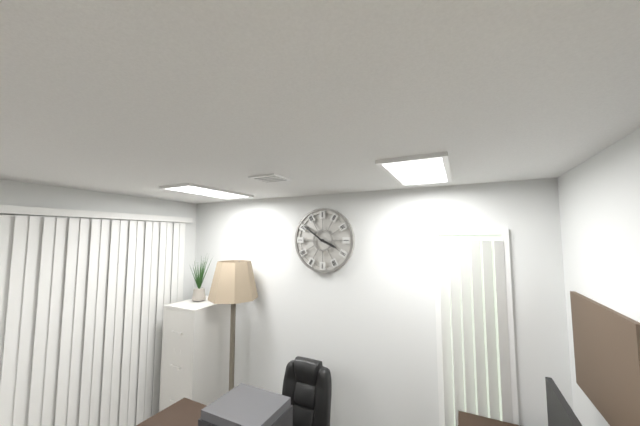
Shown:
3.51
